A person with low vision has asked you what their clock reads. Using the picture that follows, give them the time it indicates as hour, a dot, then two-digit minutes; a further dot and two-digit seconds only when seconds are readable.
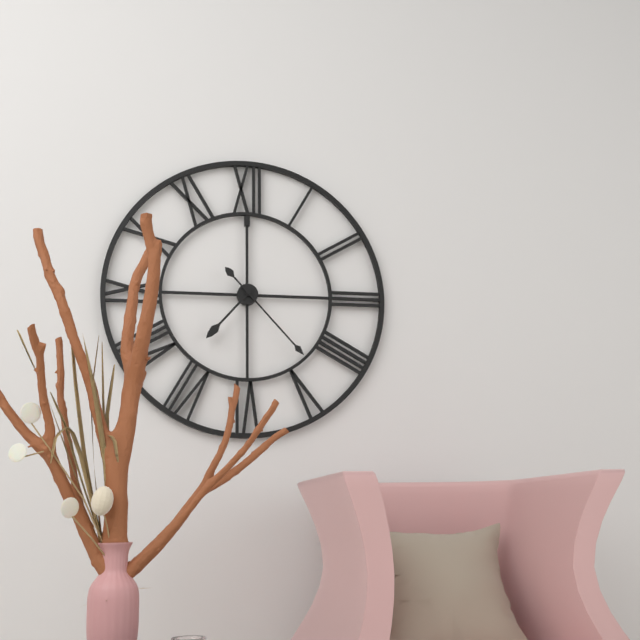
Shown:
7.23
